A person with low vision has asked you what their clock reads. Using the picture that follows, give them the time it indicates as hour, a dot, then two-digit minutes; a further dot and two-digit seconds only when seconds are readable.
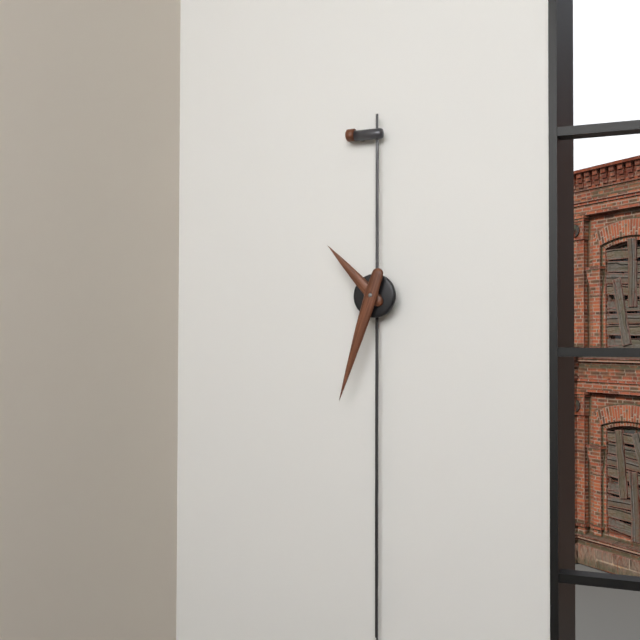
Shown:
10.33
